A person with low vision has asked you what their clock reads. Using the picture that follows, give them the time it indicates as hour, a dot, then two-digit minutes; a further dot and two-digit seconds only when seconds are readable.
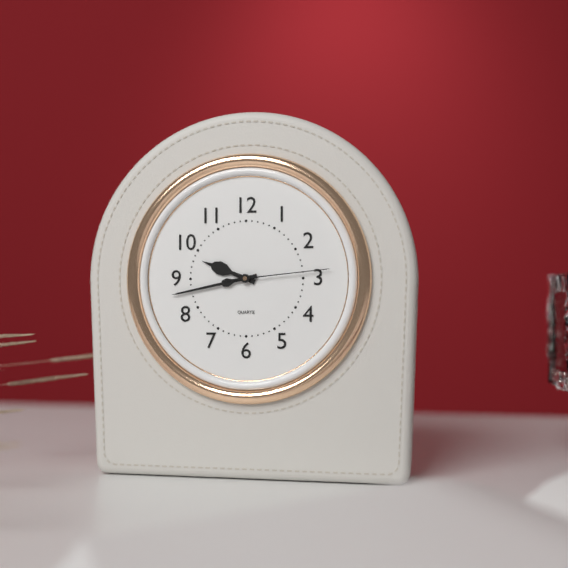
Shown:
9.43.14
